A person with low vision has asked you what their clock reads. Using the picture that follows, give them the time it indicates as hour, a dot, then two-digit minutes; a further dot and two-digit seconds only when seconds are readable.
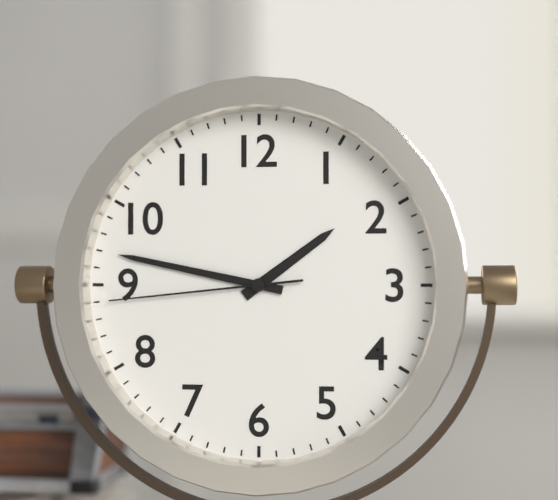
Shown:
1.47.44
